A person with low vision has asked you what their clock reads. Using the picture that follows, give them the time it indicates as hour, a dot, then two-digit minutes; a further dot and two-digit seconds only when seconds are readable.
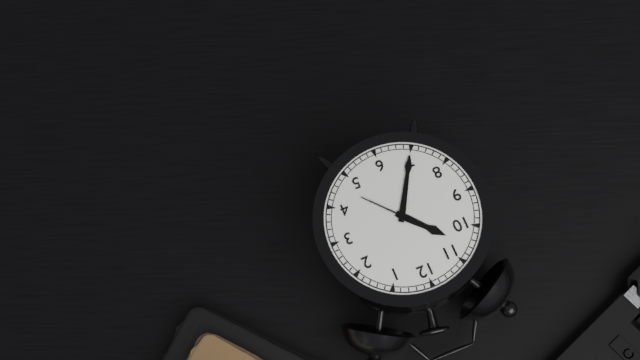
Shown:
10.35.23
